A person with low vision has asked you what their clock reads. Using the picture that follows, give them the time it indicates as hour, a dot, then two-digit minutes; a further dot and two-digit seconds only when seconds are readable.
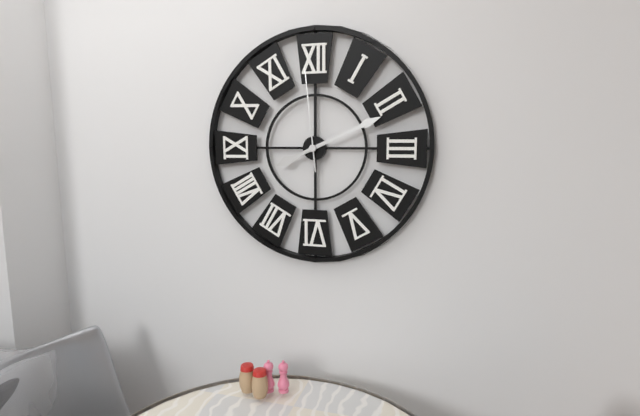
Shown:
8.11.59
